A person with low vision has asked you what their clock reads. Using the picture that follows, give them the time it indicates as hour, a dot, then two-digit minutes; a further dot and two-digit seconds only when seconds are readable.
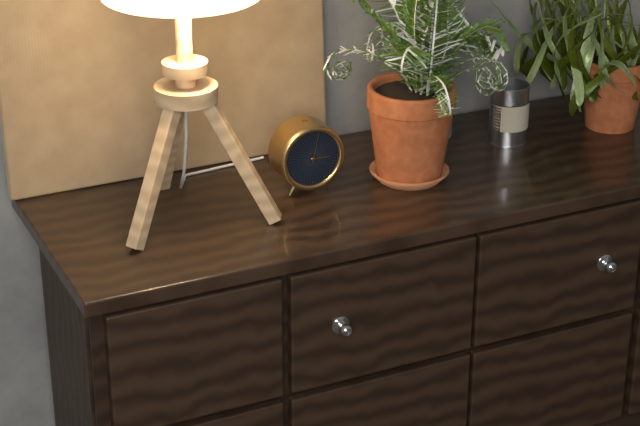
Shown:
3.02
